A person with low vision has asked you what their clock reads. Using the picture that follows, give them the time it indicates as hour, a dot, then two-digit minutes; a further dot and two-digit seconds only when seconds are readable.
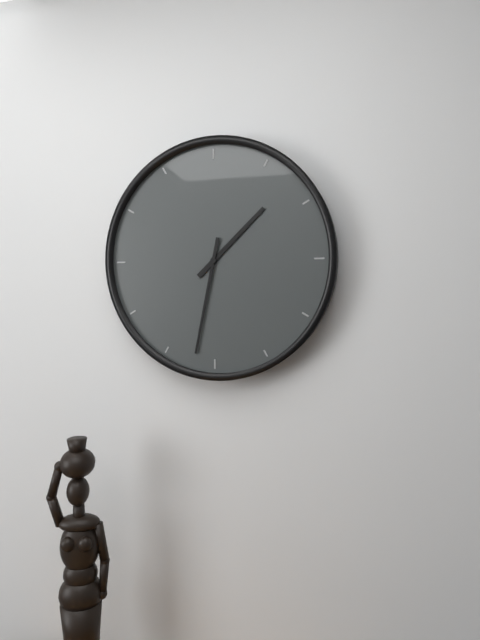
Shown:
1.32
